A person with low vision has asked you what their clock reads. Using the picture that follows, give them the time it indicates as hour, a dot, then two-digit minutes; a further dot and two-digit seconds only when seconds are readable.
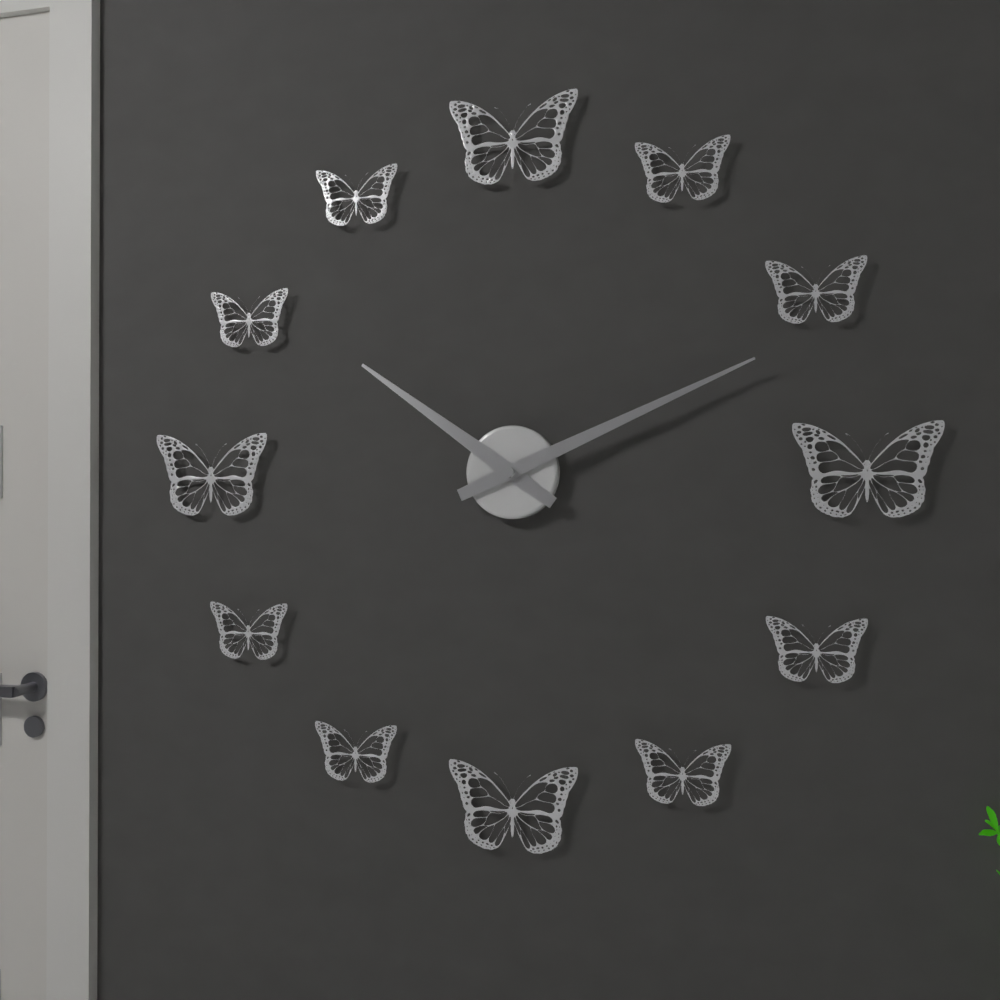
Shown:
10.11
